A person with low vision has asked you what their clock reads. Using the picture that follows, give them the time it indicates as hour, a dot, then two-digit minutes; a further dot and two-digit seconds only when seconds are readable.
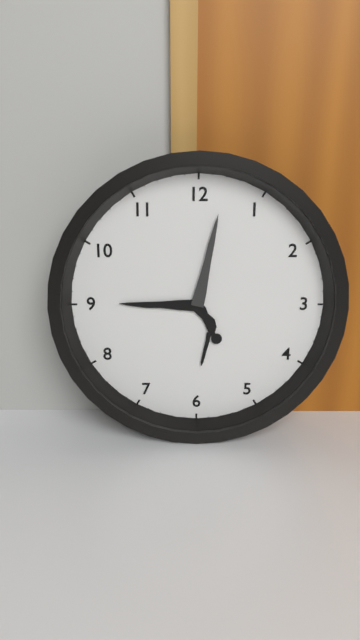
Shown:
9.02
